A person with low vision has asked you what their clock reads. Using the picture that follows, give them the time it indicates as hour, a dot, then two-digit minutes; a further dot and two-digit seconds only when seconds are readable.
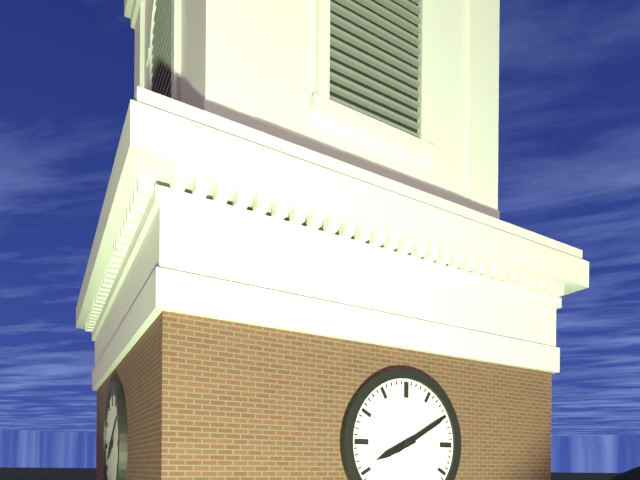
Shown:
8.10
